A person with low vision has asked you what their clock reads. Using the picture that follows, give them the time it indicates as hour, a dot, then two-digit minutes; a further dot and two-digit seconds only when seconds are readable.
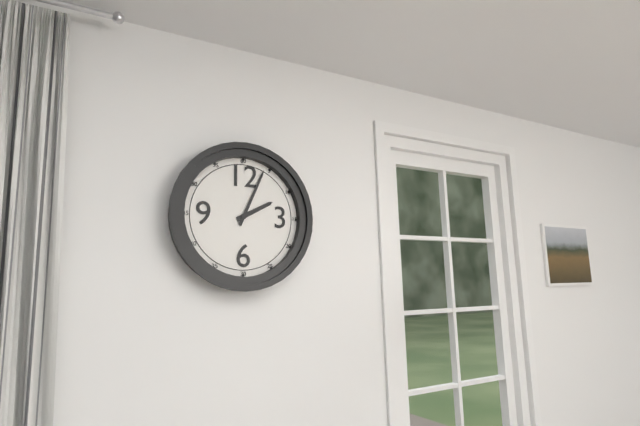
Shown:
2.04
